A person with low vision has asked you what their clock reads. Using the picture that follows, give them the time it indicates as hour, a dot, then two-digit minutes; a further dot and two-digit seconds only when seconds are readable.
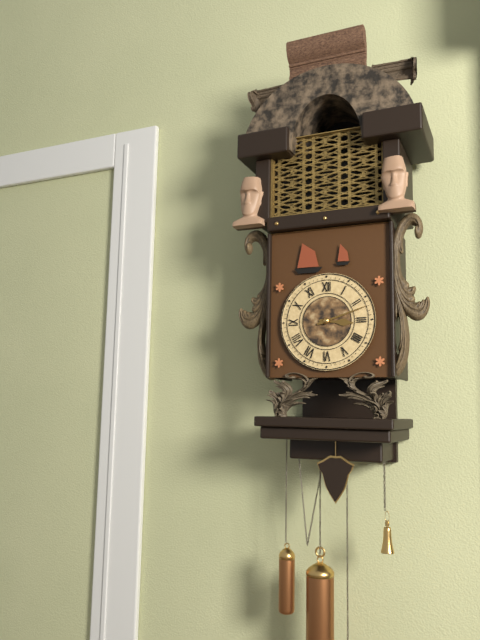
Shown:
3.12
